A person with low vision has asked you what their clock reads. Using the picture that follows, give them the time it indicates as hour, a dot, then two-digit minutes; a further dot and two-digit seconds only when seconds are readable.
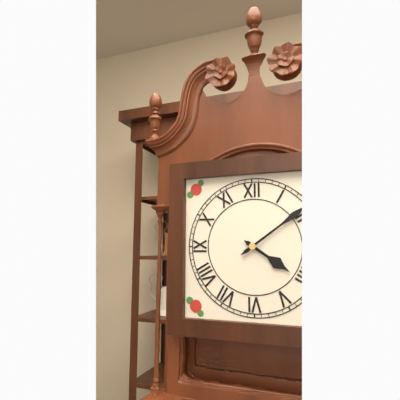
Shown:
4.09
